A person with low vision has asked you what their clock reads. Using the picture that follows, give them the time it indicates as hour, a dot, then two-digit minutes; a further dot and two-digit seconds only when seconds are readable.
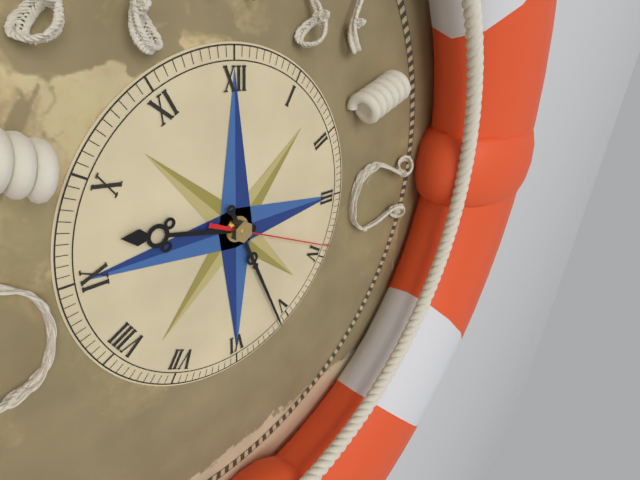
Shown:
9.26.19
